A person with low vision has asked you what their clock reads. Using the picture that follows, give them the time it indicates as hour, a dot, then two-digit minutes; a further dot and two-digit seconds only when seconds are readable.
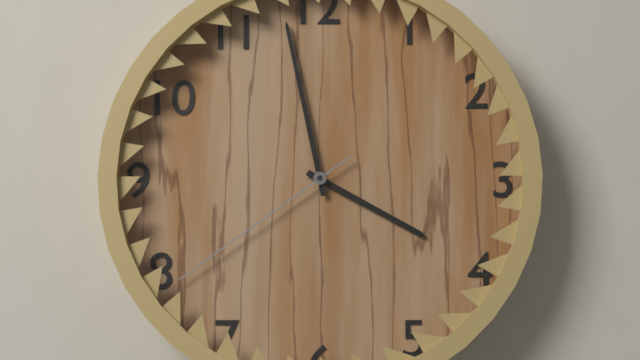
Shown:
3.58.39
